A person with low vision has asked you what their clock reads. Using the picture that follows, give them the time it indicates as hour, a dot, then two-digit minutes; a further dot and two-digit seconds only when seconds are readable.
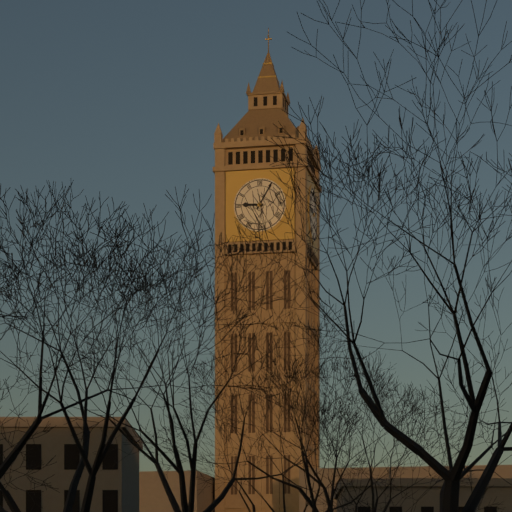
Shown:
9.05
